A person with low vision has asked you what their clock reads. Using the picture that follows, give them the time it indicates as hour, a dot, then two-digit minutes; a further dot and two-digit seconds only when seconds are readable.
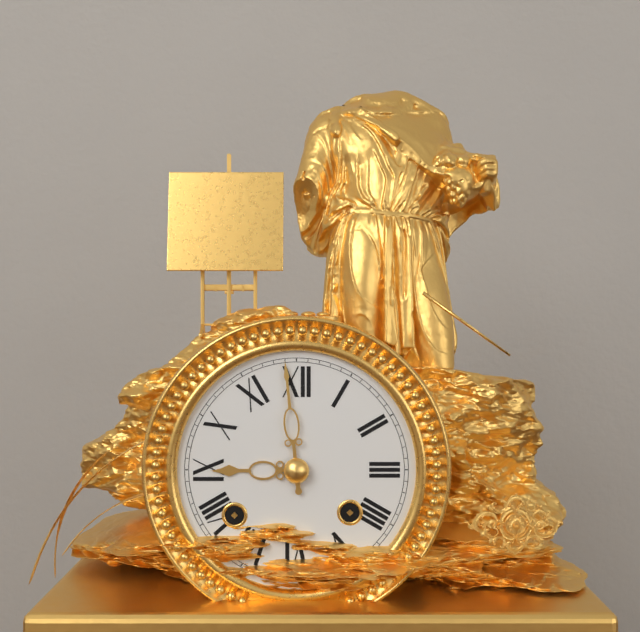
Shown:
8.59
